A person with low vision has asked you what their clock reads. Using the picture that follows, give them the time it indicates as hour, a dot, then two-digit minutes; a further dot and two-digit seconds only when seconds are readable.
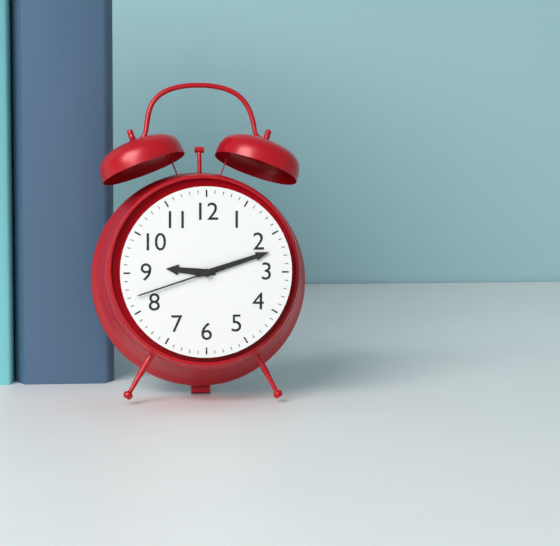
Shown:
9.12.42
